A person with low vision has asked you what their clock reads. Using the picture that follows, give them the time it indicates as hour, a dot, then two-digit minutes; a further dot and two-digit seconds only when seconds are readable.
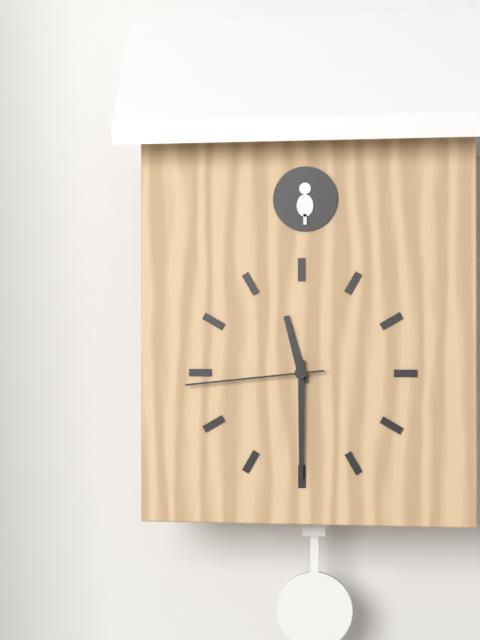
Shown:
11.30.44
